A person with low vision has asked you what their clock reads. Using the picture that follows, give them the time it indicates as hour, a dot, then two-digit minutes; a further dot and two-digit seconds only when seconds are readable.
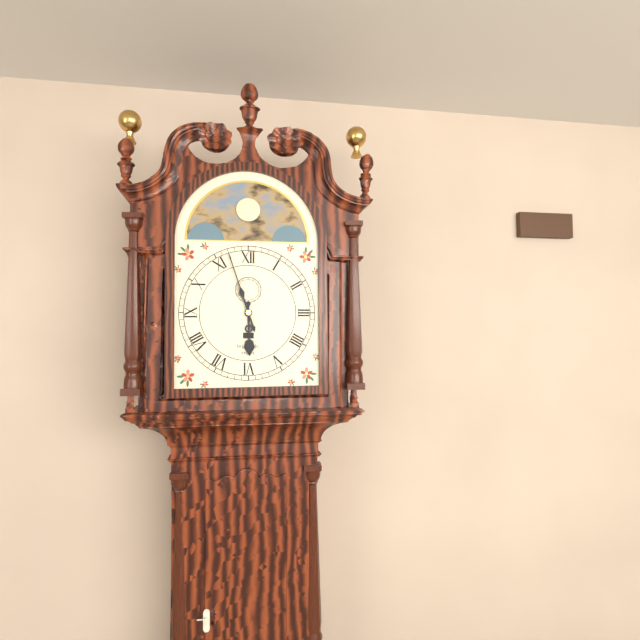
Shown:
5.57
